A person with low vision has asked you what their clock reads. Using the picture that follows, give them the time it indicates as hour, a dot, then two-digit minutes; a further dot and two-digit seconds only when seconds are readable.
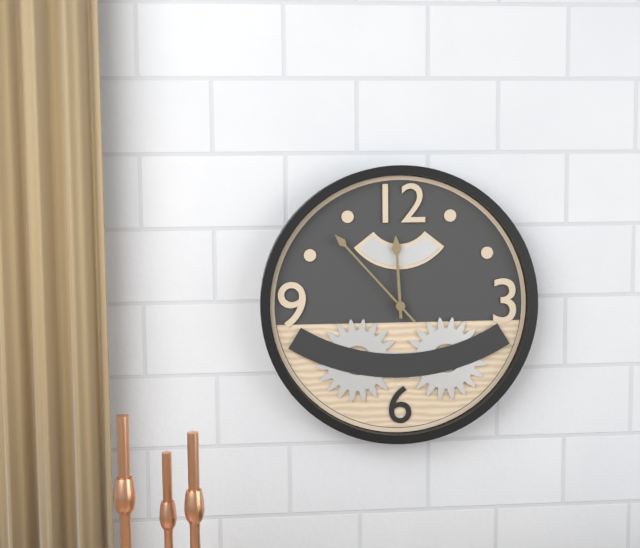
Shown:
11.53
